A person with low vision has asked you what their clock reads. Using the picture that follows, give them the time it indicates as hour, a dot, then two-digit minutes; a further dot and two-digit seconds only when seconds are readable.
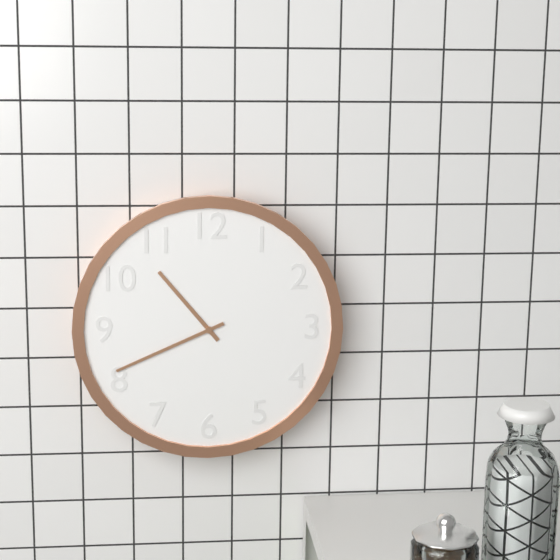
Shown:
10.41
